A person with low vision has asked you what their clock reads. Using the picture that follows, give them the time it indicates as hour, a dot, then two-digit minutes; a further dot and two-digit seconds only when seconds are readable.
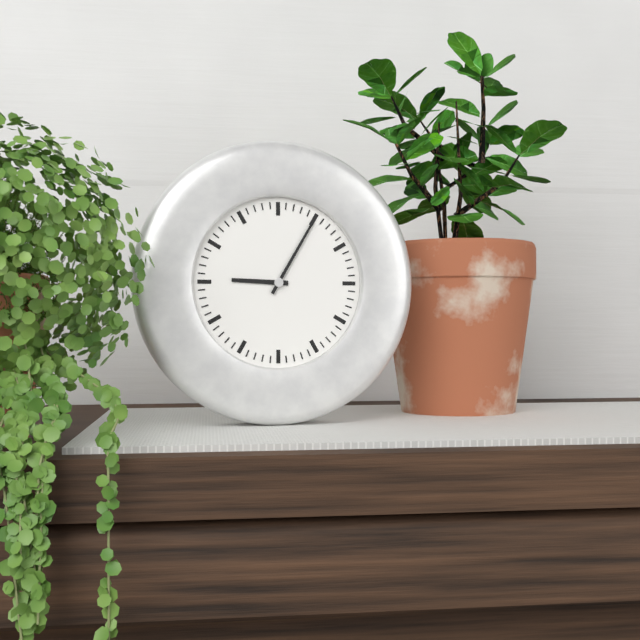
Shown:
9.05
